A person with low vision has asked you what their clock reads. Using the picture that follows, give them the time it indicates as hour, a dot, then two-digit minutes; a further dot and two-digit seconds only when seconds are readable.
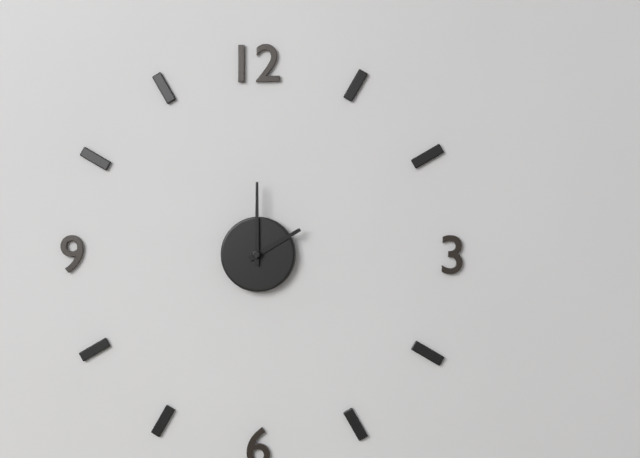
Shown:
2.00
